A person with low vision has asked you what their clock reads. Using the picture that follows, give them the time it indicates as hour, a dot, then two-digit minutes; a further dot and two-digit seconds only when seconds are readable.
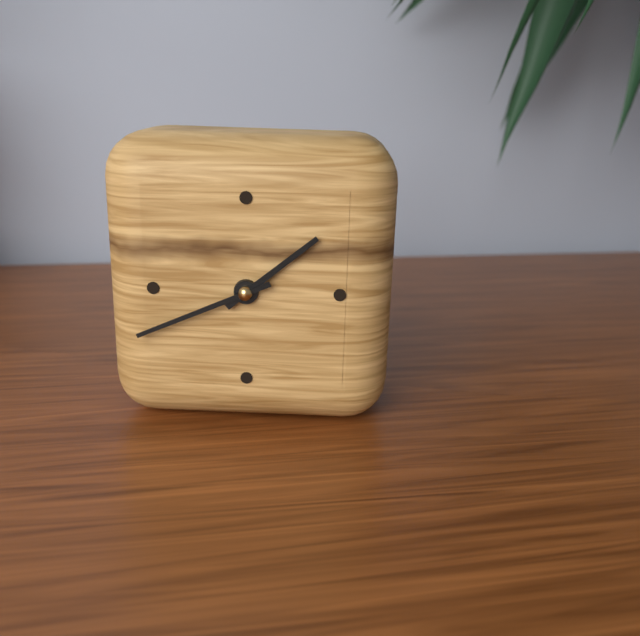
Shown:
1.41
